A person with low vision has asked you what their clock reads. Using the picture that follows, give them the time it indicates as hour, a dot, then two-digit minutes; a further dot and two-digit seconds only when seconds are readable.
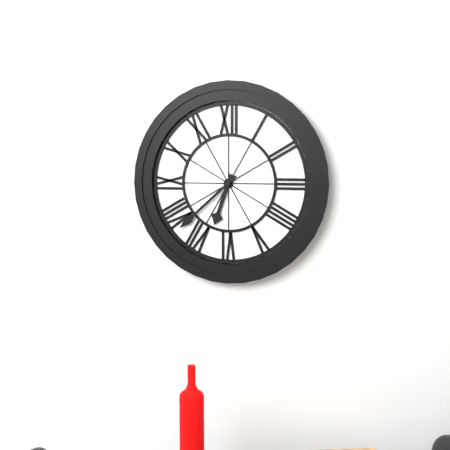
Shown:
6.38
